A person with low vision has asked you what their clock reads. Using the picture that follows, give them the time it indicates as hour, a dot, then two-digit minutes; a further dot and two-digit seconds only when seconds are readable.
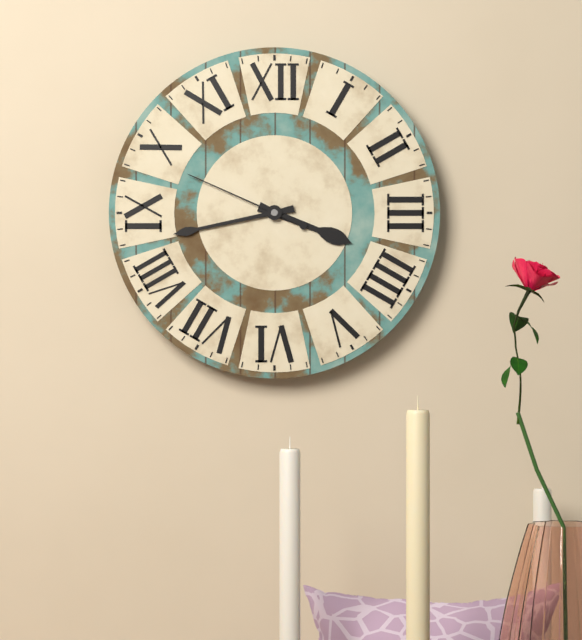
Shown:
3.43.49
